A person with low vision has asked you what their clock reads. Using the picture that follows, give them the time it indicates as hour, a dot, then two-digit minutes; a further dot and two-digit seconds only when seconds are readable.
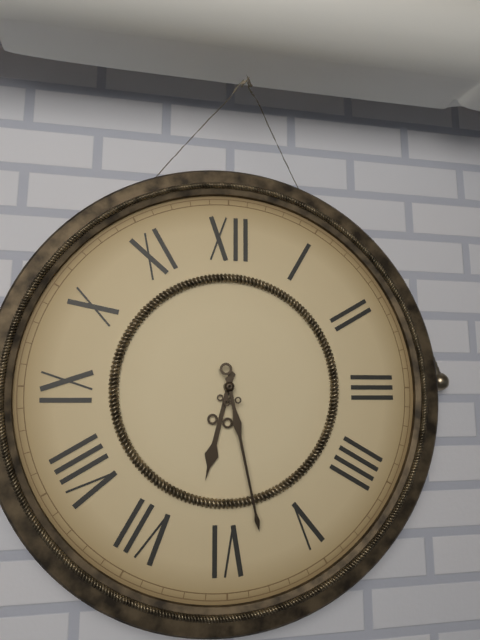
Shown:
6.28
